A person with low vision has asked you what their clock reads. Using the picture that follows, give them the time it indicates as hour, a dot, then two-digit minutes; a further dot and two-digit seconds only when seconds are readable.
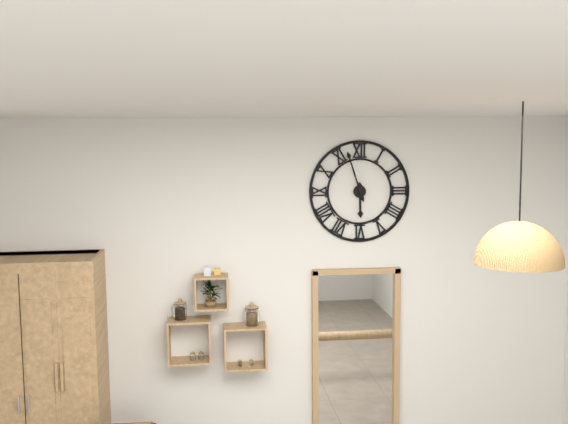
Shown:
5.57
